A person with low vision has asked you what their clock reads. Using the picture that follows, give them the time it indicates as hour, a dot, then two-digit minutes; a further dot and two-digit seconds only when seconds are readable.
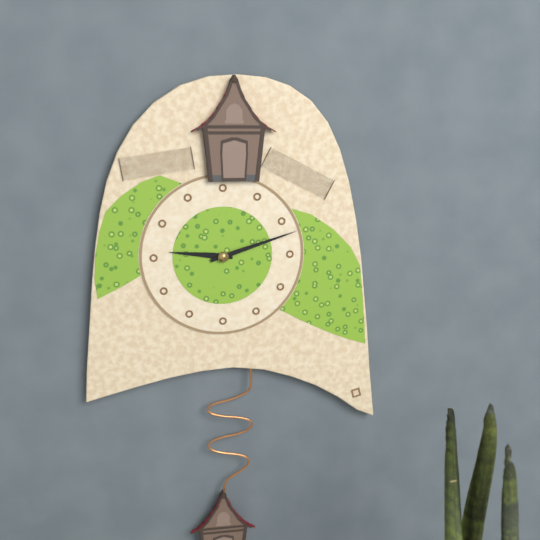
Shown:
9.12
